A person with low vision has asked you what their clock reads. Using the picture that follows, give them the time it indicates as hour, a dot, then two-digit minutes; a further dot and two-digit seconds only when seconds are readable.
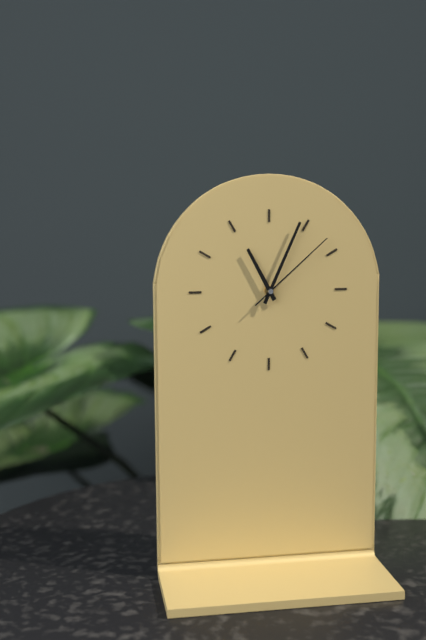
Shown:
11.04.08
